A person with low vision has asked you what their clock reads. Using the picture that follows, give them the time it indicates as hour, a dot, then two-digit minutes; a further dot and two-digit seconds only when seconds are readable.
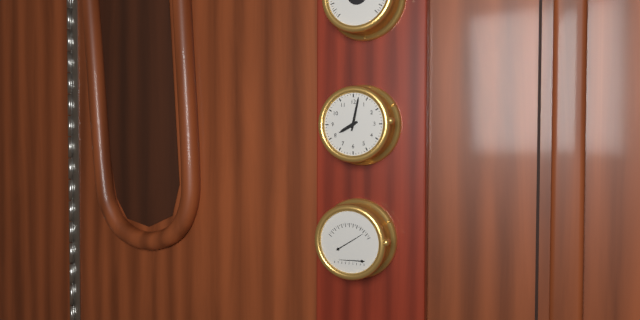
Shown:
8.02
